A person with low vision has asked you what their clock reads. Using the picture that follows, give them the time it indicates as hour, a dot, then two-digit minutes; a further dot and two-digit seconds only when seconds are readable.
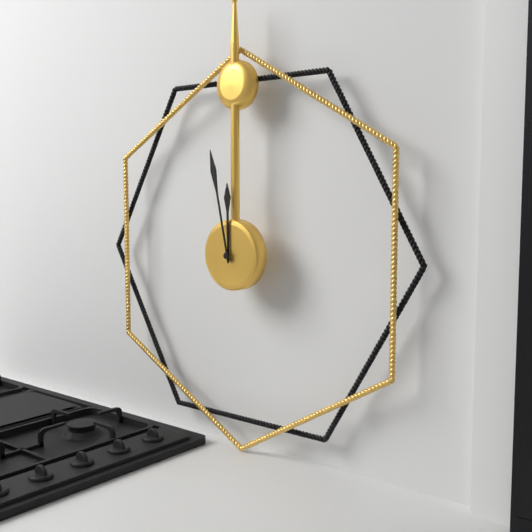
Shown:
11.58
